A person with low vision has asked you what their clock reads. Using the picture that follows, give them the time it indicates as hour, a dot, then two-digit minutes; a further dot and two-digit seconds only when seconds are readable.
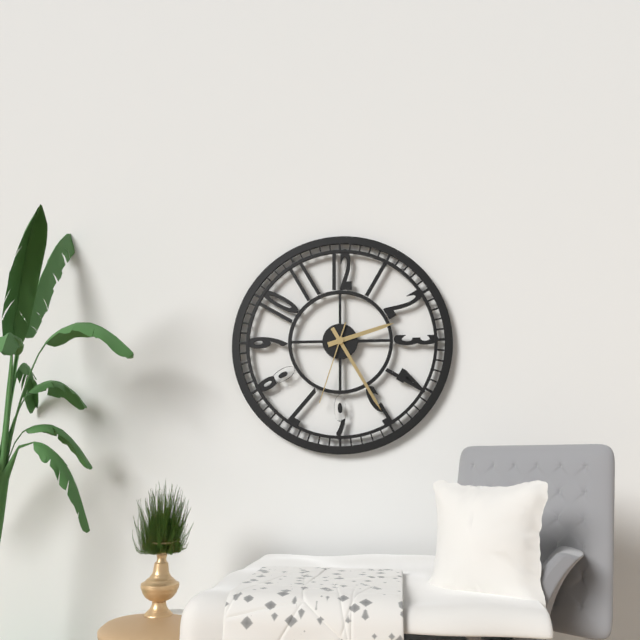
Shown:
2.25.33
